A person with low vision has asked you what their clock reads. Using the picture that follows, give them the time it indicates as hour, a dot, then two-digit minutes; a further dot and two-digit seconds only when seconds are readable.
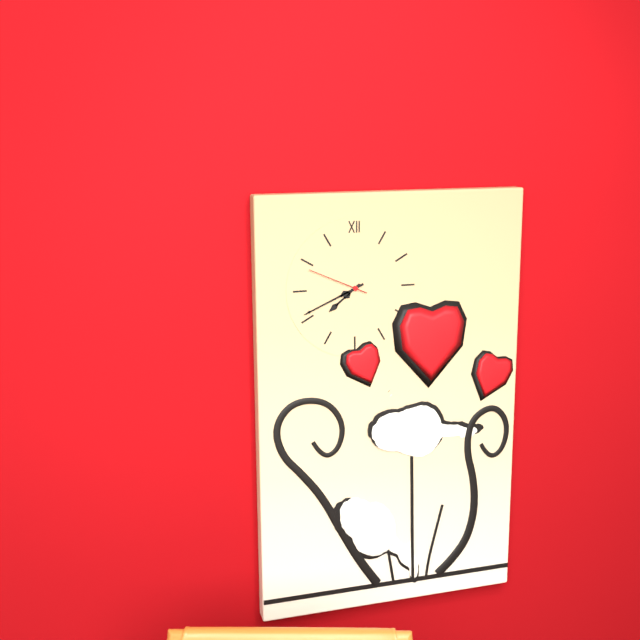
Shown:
7.41.49
